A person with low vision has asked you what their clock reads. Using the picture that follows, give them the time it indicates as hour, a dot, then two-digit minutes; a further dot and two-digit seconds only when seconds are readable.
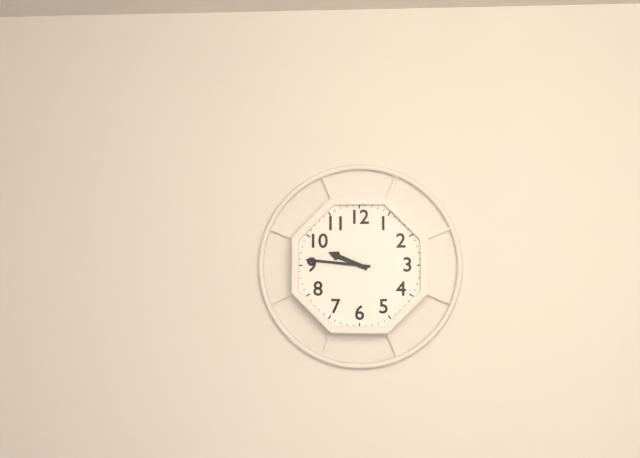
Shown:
9.46
